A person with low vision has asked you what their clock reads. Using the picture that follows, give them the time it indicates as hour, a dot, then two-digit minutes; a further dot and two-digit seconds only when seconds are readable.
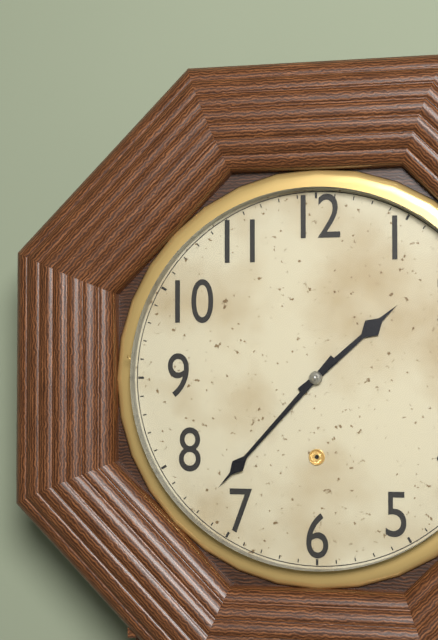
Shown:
1.37
